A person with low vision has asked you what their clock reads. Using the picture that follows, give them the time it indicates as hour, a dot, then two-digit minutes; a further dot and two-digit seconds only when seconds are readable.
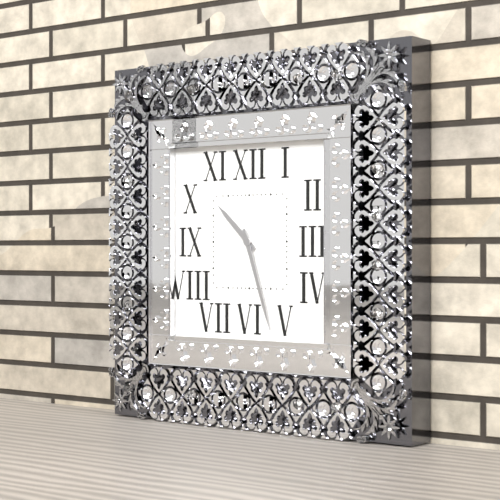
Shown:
10.27
